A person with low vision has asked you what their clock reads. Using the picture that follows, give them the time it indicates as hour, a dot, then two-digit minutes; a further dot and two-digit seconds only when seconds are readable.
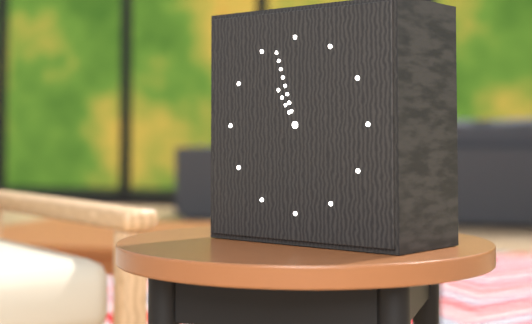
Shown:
10.57
